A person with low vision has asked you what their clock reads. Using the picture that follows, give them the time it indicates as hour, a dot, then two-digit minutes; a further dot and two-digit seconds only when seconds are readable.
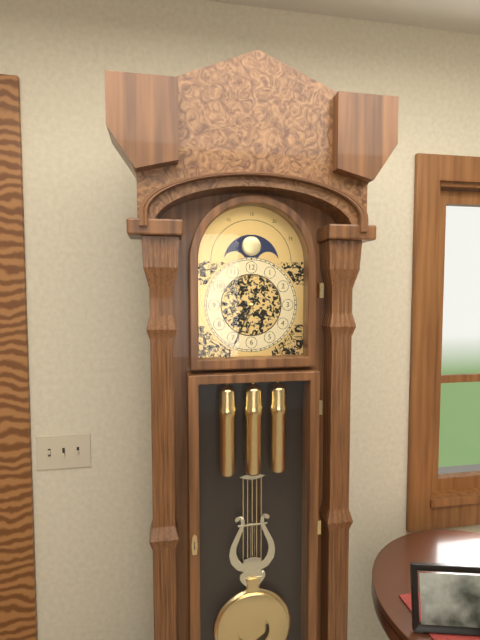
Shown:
7.34
